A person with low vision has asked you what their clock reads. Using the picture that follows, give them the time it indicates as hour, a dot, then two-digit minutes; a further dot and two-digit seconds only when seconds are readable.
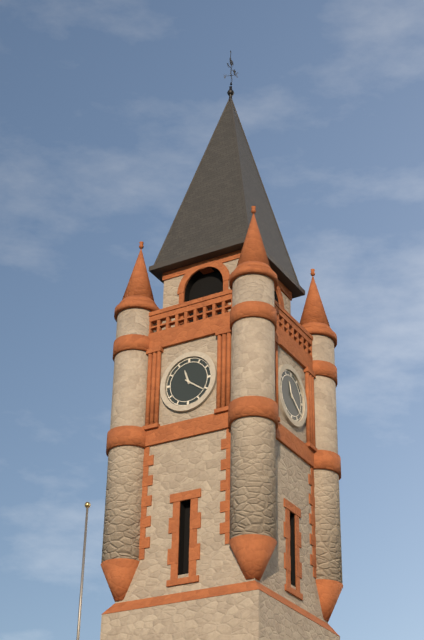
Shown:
11.21
